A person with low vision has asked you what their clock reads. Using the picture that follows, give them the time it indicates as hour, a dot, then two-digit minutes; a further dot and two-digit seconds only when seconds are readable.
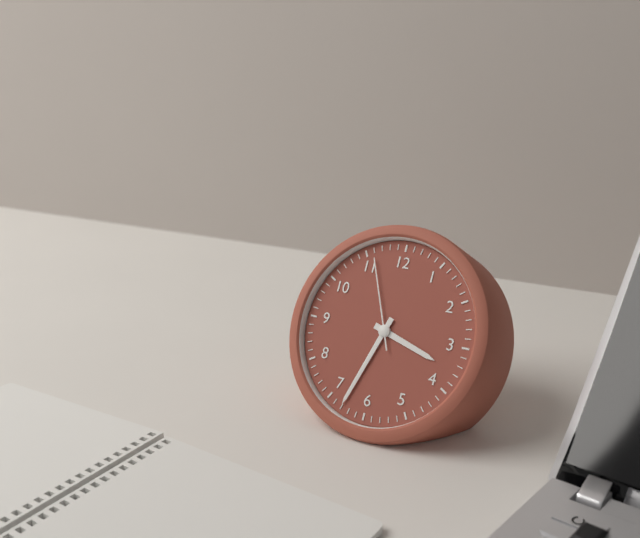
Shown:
3.33.56
